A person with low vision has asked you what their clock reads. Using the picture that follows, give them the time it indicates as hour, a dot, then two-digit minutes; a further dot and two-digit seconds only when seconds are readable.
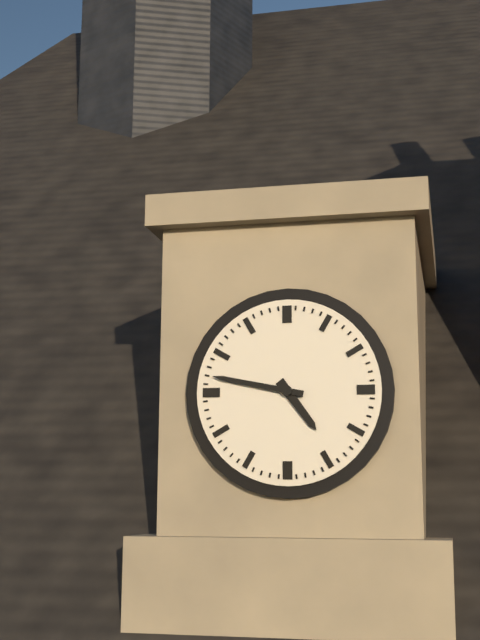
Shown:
4.47
